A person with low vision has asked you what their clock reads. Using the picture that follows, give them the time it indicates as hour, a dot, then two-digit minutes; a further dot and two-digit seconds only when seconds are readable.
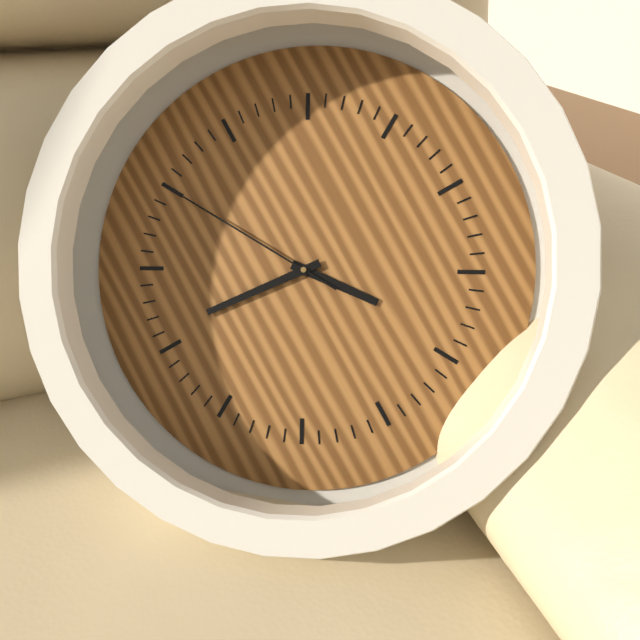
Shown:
4.46.55
